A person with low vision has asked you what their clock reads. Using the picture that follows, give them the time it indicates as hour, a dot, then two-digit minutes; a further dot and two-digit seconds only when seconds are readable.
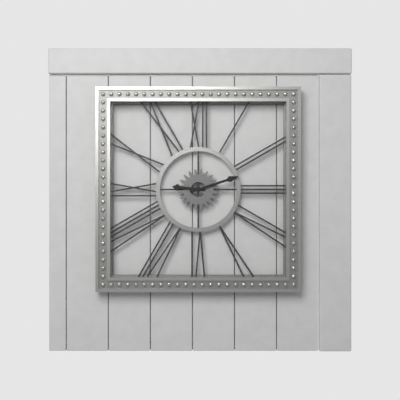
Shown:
9.12
